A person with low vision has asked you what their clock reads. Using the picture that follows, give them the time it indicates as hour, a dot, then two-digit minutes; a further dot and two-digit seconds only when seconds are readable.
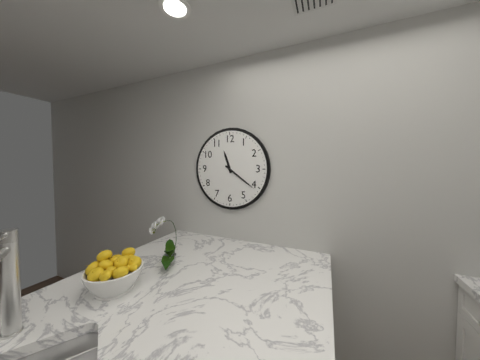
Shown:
11.21
